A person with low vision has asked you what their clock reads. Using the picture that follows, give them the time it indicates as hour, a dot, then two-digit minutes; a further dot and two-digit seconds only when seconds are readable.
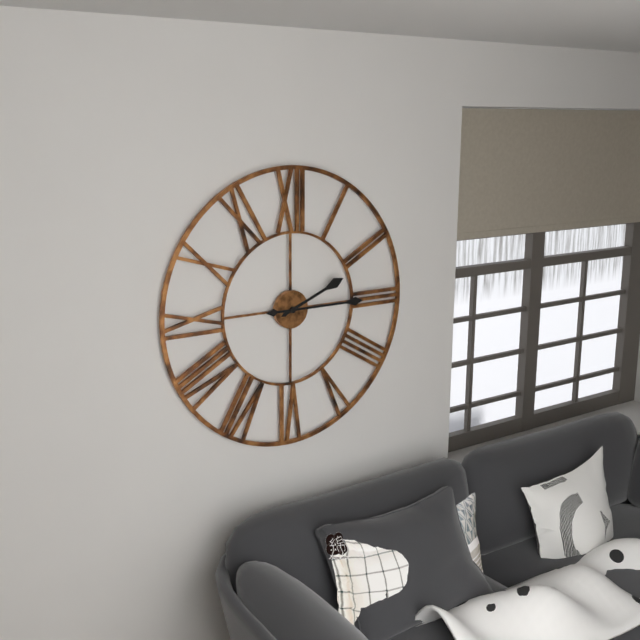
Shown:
2.15
